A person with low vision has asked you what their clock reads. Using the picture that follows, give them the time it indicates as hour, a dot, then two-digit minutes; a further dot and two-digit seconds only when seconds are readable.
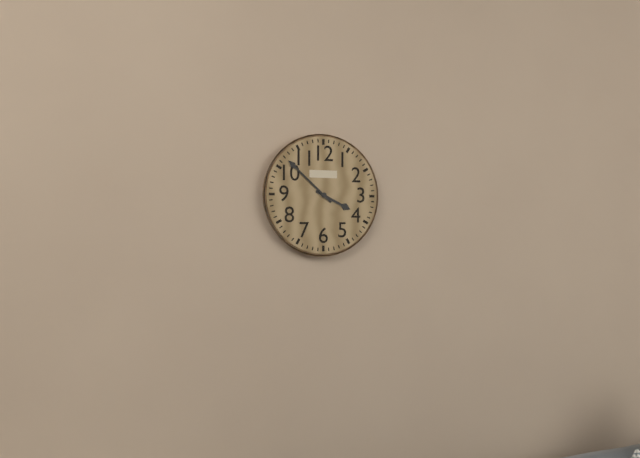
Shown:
3.52
